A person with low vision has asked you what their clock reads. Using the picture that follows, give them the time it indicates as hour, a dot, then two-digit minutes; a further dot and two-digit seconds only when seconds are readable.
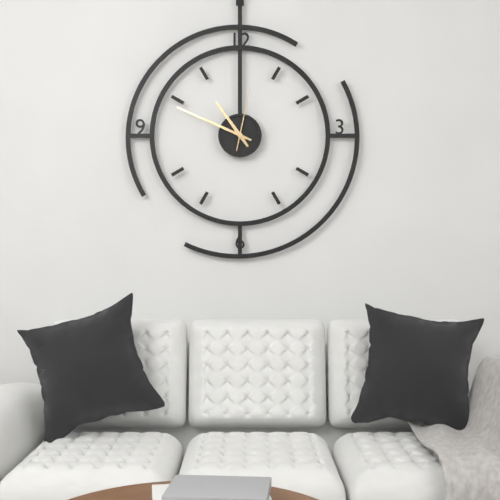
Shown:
10.49.02
